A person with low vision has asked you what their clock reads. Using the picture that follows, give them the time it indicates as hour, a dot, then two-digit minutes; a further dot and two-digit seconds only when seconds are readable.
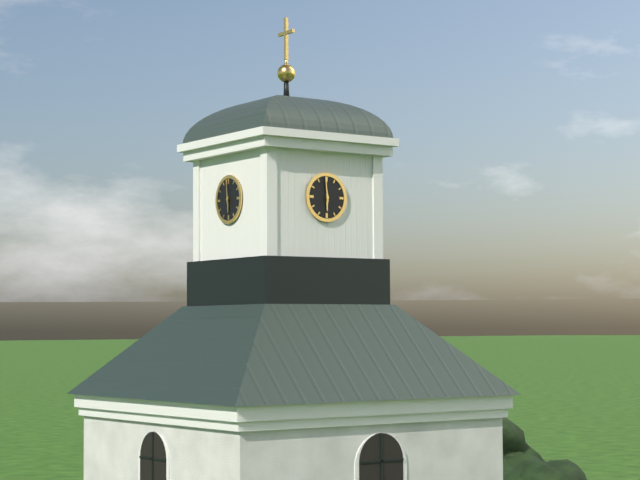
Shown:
5.59
